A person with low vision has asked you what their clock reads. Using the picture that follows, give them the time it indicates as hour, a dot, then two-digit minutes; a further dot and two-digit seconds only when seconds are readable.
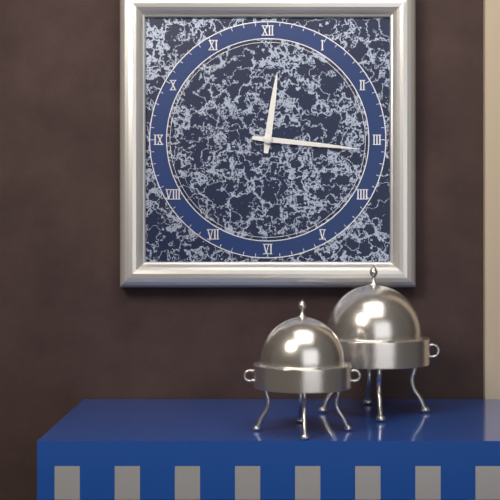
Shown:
12.16
